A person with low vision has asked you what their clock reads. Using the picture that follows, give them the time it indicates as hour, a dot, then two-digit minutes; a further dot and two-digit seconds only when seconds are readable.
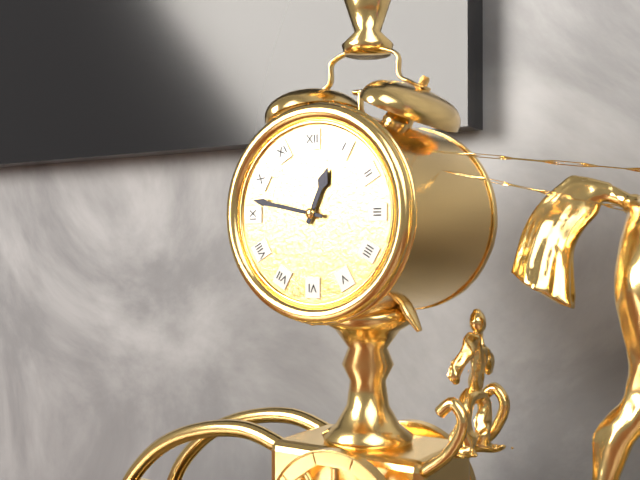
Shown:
12.47
